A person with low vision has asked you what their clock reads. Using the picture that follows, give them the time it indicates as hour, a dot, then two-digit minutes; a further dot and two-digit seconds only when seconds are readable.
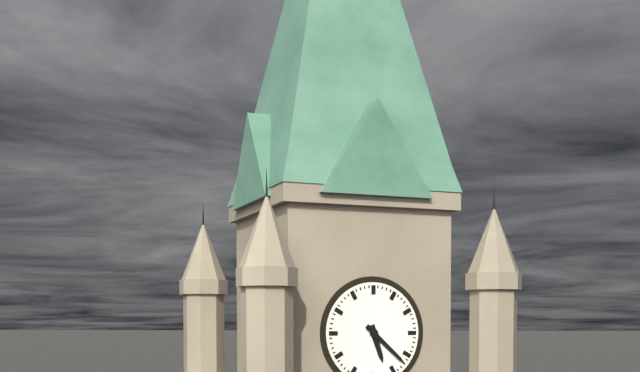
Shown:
5.22
